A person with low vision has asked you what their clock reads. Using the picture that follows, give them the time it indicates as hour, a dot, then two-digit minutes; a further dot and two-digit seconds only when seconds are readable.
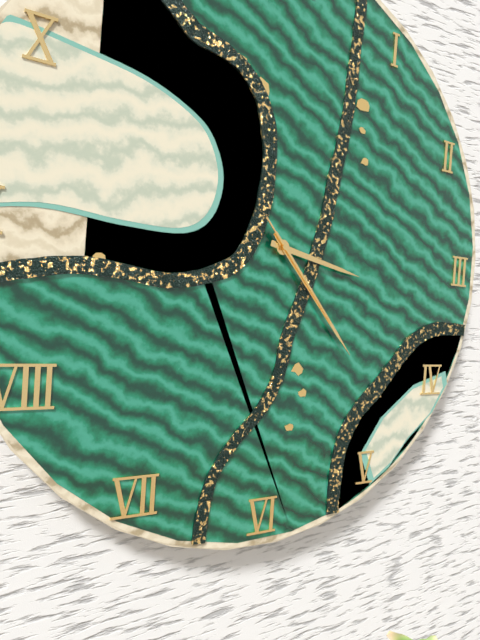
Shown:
3.23.23
